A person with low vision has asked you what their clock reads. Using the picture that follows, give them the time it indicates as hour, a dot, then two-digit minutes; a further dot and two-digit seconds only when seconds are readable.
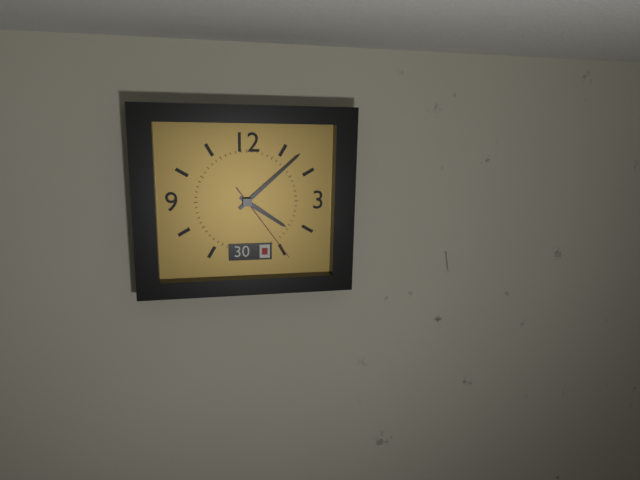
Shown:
4.08.24
